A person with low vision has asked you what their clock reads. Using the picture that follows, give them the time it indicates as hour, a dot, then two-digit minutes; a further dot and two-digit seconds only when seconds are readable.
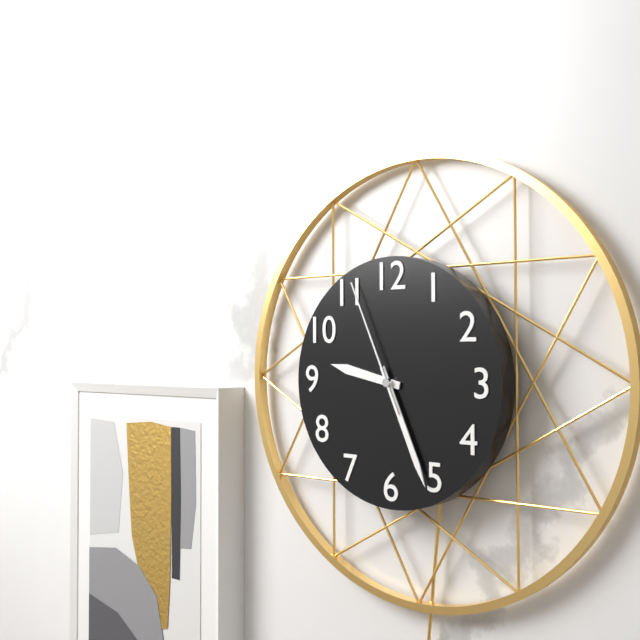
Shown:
9.26.56
